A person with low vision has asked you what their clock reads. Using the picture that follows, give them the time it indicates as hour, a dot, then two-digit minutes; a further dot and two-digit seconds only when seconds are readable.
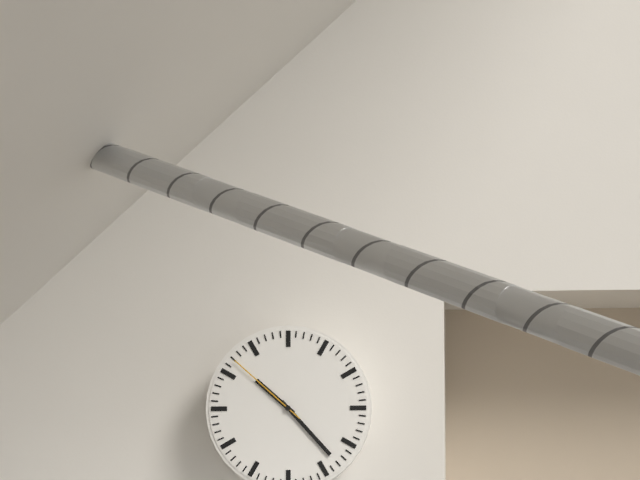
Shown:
10.23.52
